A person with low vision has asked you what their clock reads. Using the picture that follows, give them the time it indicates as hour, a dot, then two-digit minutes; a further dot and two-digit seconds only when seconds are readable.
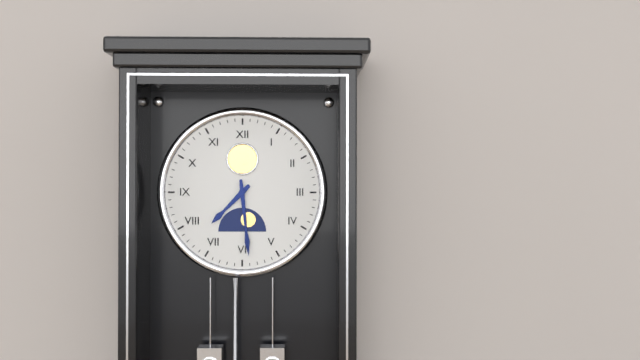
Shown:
7.29
